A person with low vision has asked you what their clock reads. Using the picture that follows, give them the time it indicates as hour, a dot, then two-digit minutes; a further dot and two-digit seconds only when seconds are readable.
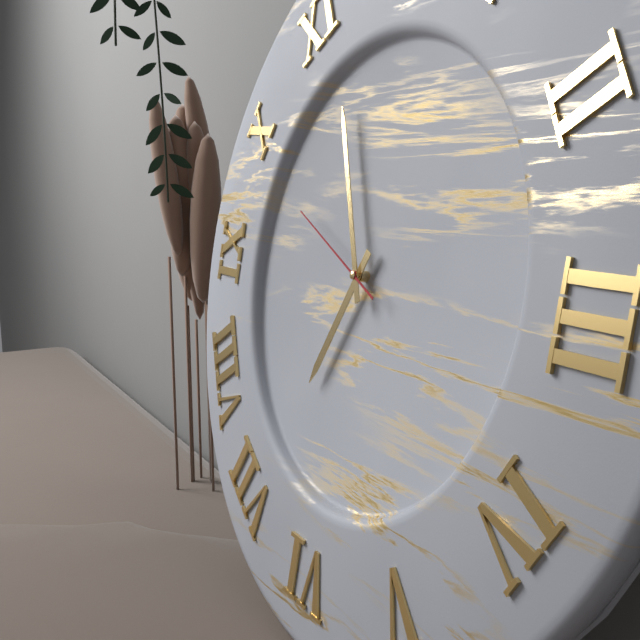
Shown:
6.56.49
